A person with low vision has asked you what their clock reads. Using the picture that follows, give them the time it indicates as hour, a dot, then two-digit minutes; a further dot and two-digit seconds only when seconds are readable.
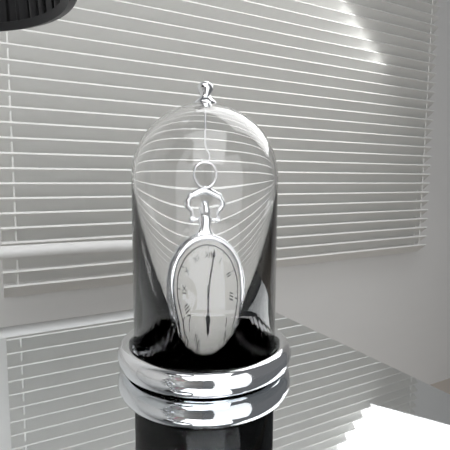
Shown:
6.02
